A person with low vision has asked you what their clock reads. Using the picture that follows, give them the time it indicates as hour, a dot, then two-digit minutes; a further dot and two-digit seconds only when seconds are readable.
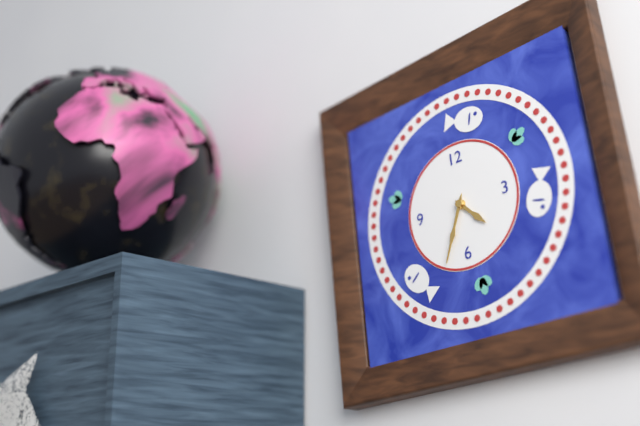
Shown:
4.34
